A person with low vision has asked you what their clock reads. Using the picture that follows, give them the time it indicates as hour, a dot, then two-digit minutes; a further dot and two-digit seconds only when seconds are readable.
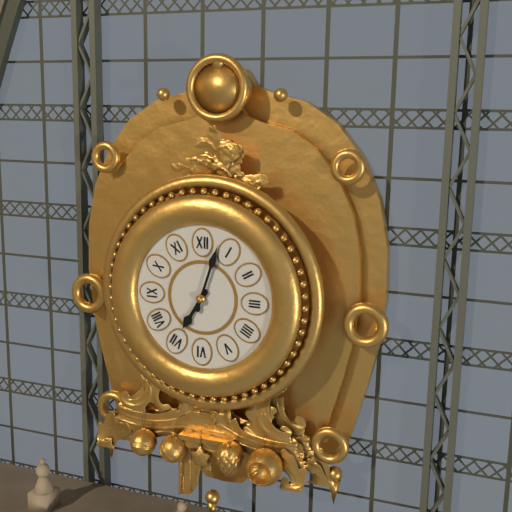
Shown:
7.03
